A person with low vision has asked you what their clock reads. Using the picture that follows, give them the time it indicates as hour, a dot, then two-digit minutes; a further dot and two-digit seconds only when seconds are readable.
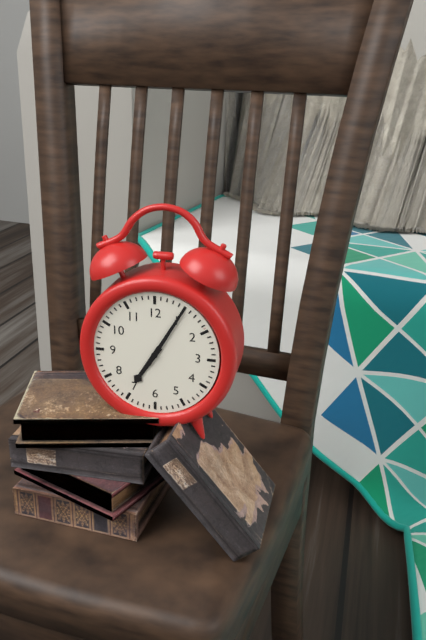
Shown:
7.05
